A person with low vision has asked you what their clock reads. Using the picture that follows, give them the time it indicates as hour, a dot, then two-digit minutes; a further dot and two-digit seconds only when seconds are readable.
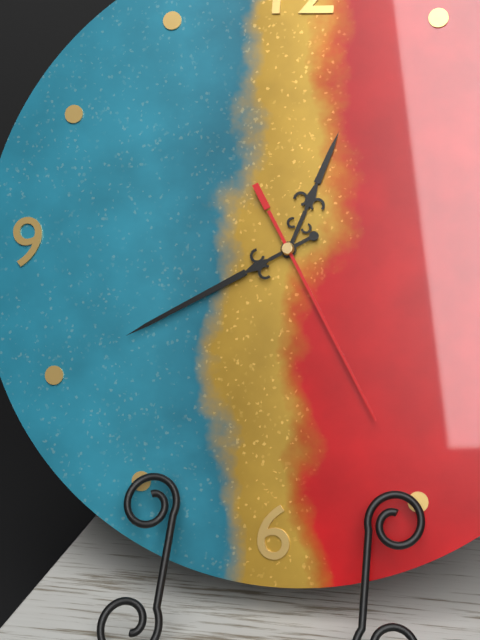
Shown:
12.40.25
